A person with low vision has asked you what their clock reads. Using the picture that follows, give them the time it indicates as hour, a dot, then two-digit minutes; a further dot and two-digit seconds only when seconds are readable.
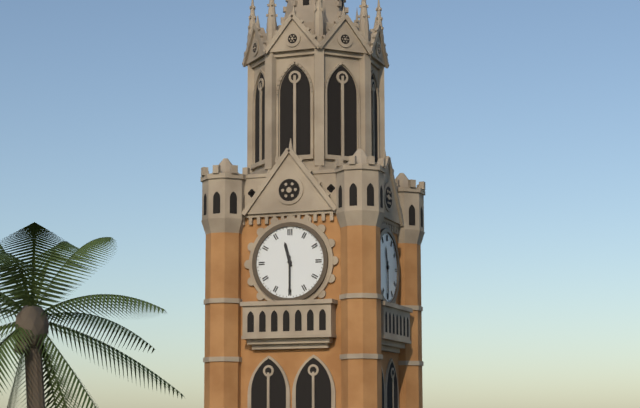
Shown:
11.30
